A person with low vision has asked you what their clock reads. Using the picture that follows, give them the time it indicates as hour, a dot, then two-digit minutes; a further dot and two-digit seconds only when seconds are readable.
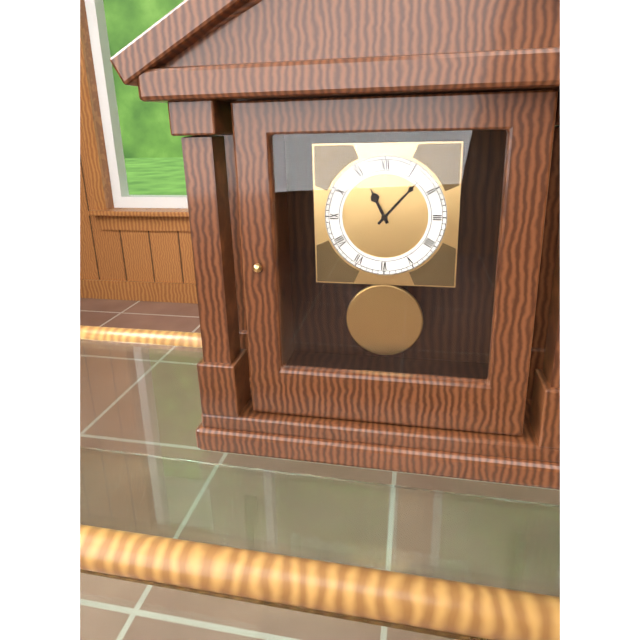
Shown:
11.07
